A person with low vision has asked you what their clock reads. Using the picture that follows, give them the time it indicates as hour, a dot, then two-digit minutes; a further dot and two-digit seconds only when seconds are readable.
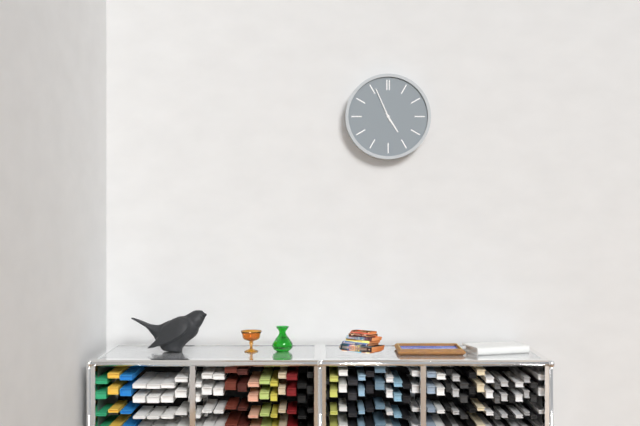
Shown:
4.56
